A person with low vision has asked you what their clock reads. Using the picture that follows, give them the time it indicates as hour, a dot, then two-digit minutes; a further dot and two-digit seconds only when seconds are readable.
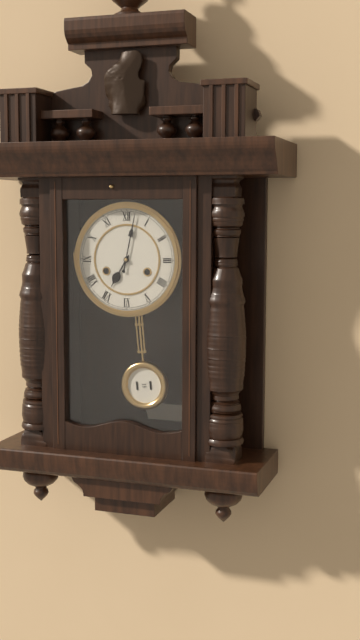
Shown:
7.02
